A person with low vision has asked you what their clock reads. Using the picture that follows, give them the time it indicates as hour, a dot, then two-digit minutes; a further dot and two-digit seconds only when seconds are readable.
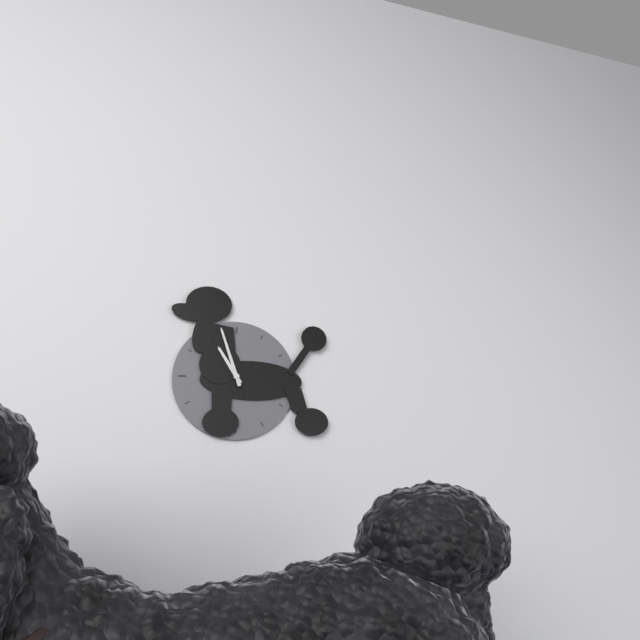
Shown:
10.57
